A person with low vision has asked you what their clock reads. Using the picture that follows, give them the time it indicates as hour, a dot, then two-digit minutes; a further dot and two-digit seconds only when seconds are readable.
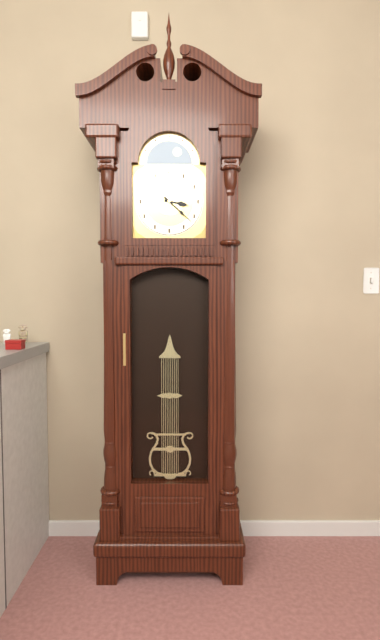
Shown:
3.22
